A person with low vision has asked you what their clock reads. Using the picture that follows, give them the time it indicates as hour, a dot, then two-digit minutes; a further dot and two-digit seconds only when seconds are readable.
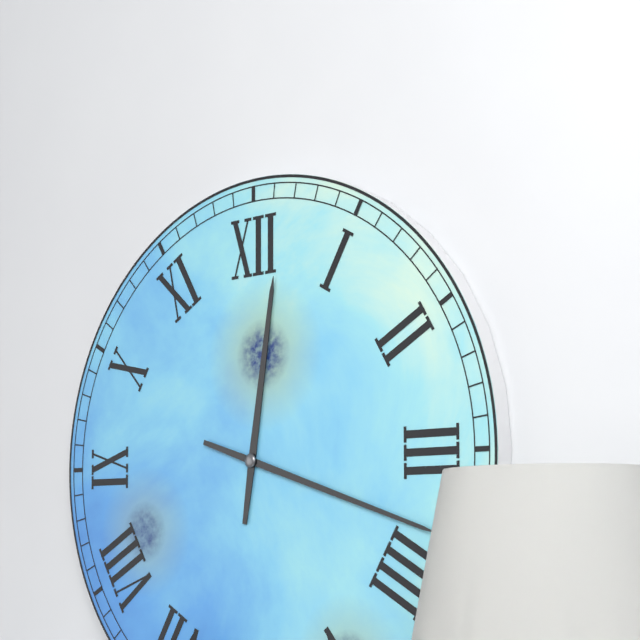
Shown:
12.18
